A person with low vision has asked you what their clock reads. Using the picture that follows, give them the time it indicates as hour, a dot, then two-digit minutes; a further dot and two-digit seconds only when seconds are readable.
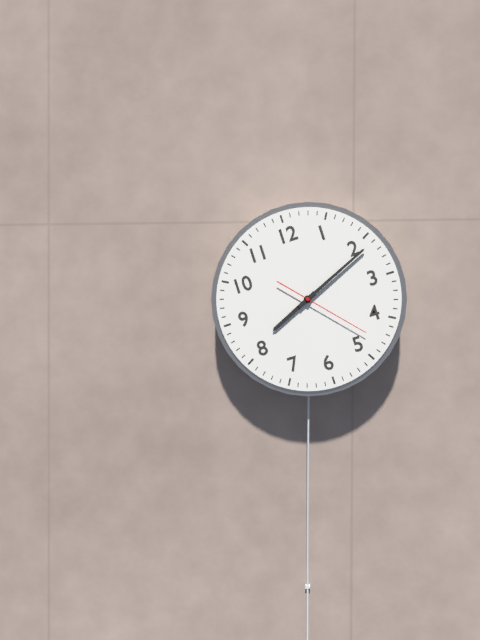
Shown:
8.11.23
